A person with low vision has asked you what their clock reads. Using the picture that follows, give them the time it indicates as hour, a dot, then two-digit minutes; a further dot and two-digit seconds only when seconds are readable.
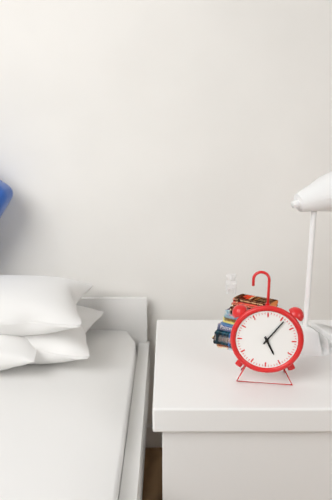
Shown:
5.06
